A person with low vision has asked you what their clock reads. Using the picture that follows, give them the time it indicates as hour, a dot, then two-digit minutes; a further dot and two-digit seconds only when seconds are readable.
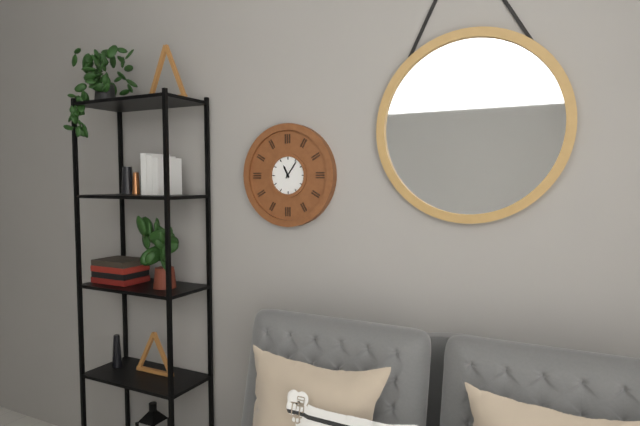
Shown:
11.06
